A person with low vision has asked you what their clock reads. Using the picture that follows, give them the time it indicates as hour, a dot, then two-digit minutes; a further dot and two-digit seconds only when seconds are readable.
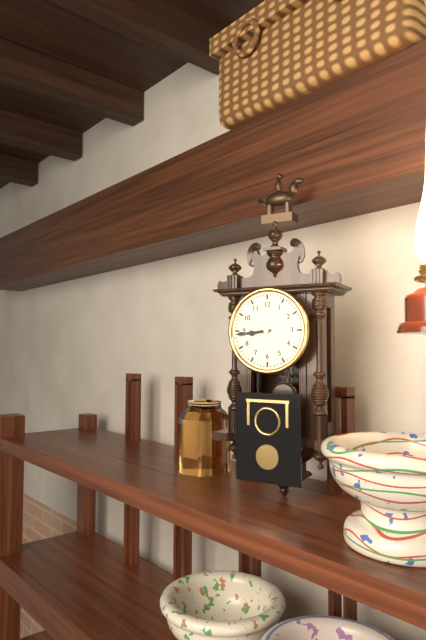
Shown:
8.44
